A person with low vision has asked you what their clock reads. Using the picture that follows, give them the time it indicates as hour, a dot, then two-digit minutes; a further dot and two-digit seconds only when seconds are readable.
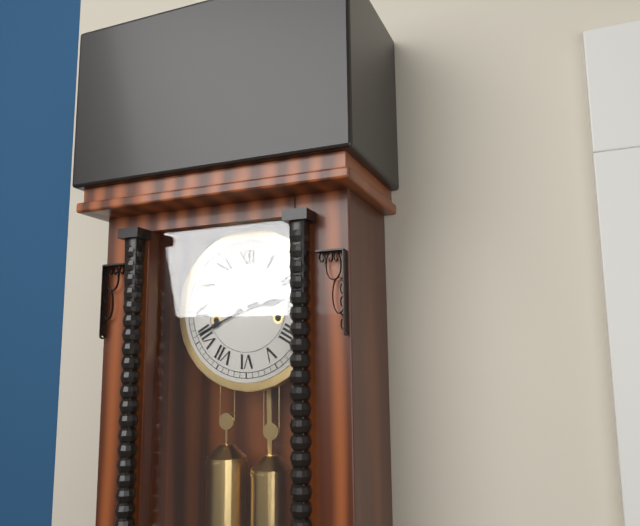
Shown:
2.41
